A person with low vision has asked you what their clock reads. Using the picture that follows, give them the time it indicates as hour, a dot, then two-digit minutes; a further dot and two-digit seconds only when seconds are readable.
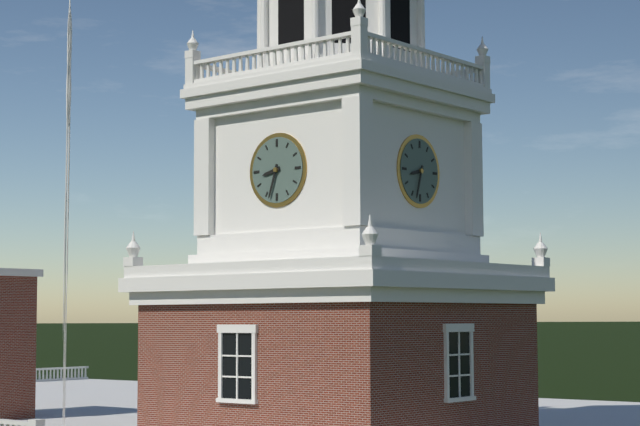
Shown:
8.33
